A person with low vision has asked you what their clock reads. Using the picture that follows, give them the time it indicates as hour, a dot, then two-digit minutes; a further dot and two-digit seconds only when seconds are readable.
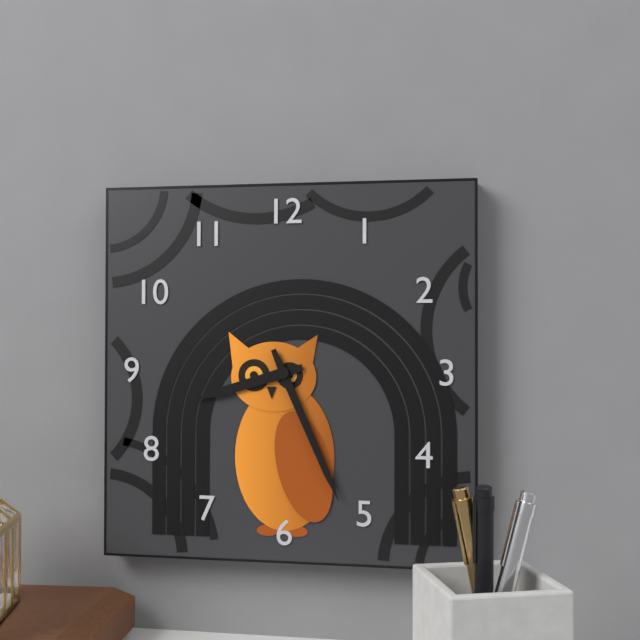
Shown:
8.26
